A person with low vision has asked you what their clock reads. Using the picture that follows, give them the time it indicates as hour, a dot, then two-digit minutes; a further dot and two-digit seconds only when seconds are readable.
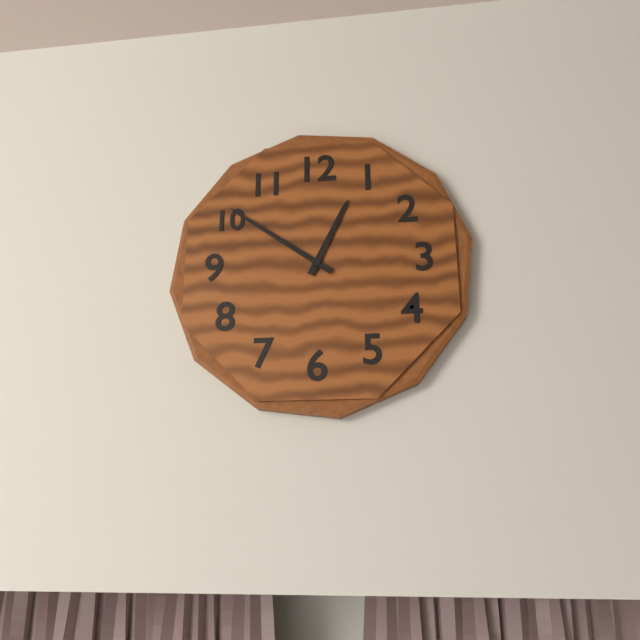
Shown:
12.51
